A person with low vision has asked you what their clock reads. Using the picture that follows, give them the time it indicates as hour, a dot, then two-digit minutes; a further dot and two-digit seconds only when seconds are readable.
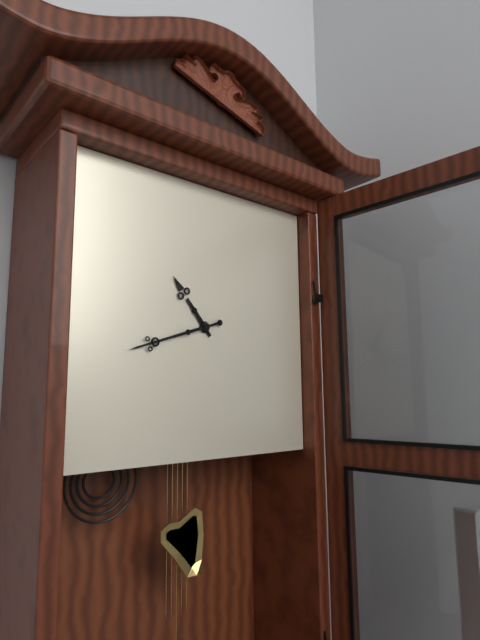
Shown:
10.42
